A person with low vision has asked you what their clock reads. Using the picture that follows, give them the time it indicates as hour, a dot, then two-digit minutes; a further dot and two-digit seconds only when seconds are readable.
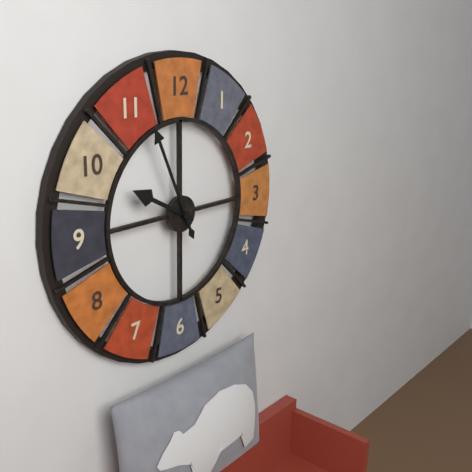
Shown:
9.56
